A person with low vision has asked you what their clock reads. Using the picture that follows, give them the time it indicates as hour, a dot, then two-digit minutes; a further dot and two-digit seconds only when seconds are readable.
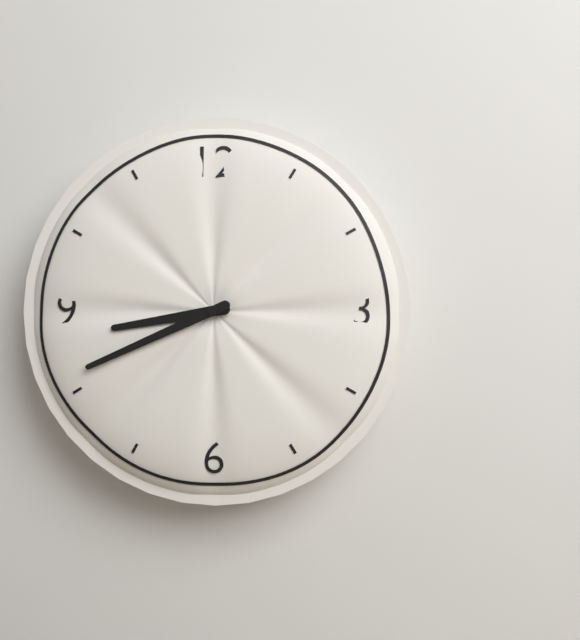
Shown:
8.41
